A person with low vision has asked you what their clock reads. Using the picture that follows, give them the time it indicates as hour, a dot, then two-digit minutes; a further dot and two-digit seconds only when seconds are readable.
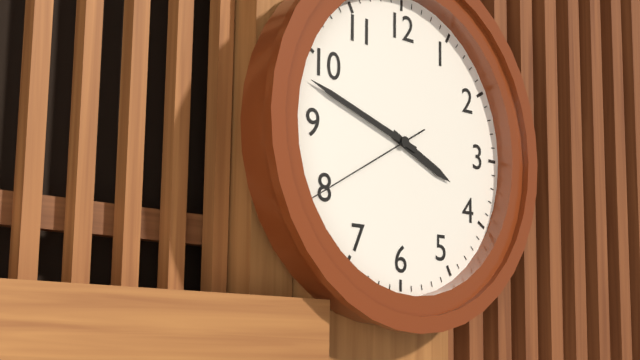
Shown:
3.48.40
